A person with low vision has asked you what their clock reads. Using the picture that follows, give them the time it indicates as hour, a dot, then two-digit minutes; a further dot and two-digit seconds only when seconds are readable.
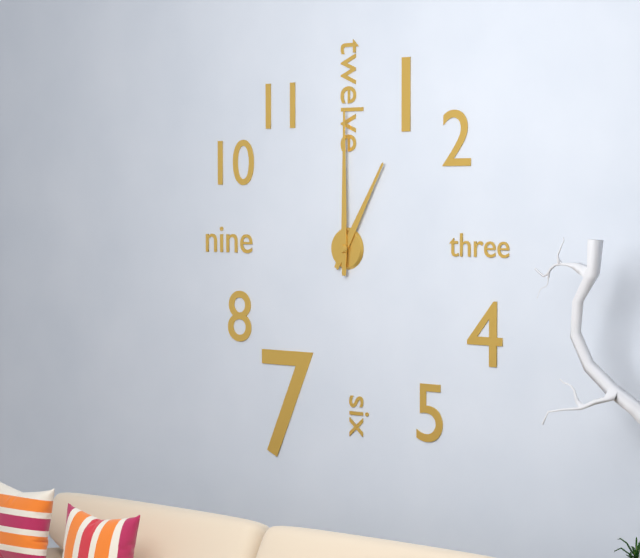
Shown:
1.00
